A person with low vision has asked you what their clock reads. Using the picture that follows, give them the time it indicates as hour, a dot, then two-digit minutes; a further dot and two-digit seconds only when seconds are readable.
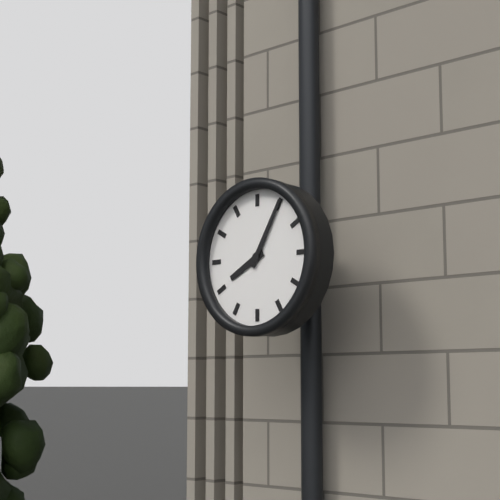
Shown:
8.05
